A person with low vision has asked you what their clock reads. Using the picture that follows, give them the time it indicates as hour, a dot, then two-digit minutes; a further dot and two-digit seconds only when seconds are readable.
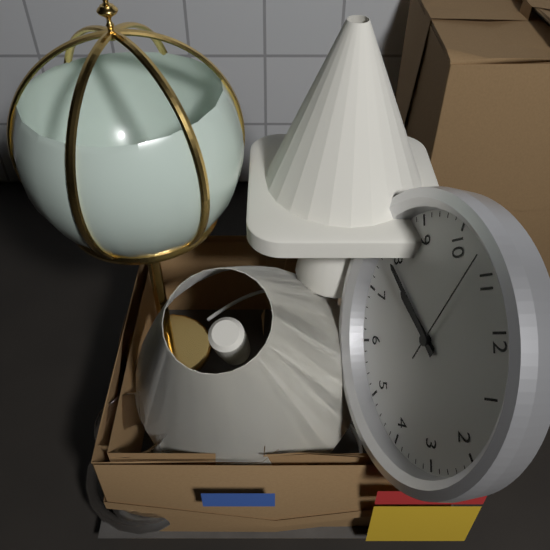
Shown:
7.39.53
